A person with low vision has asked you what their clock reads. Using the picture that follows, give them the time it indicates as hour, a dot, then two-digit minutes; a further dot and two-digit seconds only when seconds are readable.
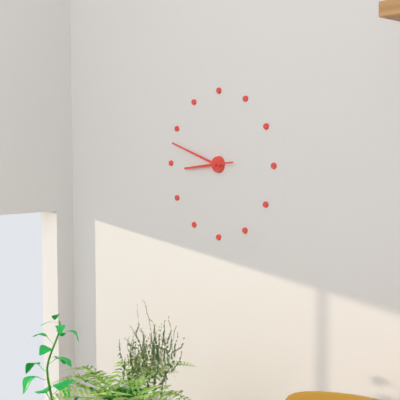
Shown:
8.48
